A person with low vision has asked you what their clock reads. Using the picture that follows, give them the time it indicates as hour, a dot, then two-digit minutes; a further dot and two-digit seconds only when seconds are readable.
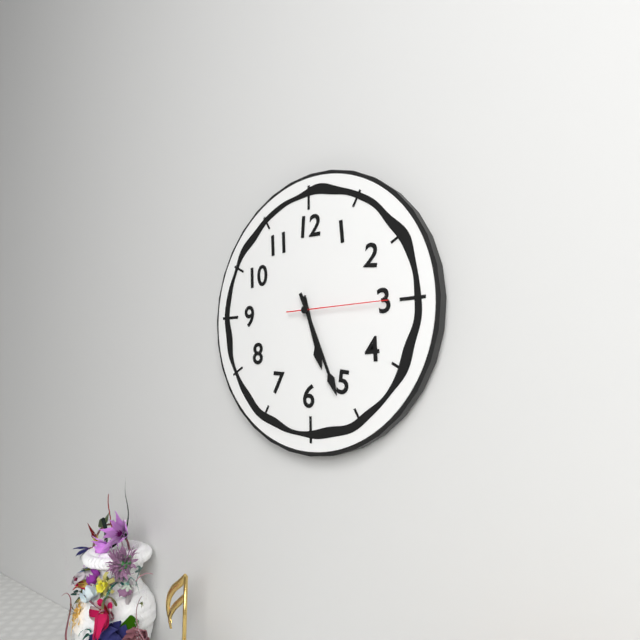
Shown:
5.26.15
